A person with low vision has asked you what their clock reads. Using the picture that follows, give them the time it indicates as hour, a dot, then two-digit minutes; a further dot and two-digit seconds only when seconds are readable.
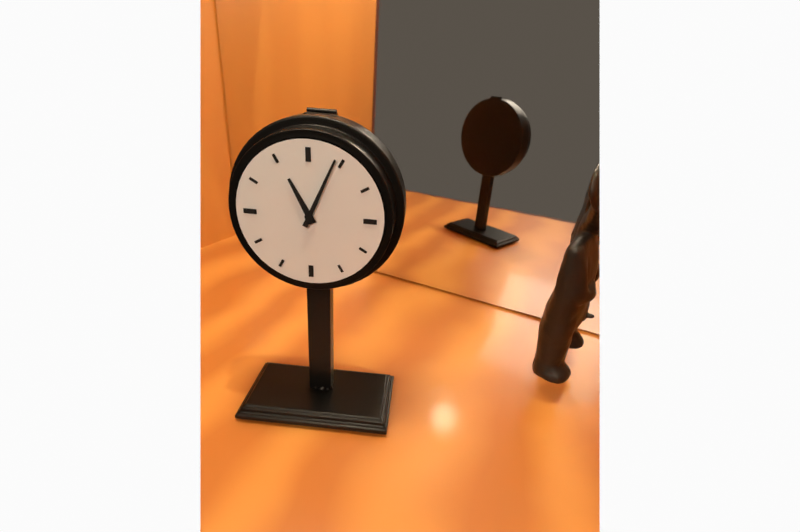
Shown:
11.04
